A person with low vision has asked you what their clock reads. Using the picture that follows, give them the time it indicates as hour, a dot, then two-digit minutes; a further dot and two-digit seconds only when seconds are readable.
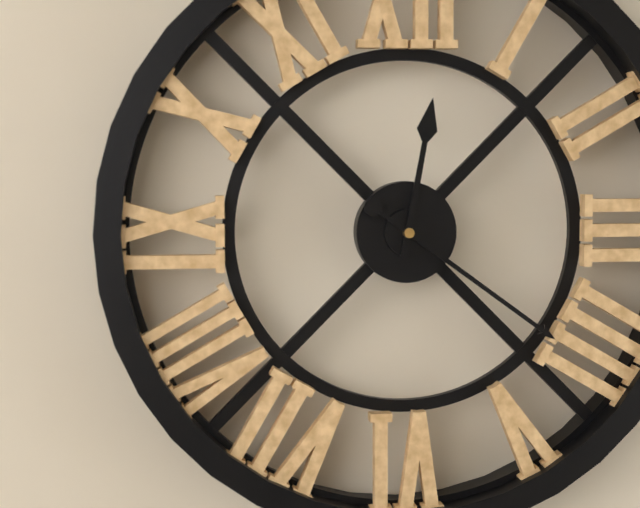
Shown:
12.21
